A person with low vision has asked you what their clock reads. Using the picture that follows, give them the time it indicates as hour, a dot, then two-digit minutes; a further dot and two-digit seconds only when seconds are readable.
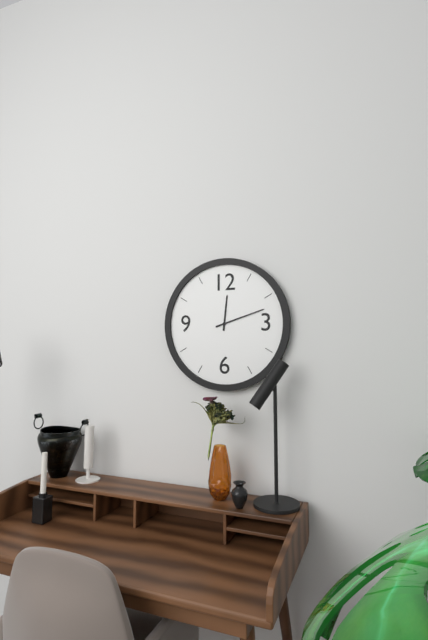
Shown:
12.12
